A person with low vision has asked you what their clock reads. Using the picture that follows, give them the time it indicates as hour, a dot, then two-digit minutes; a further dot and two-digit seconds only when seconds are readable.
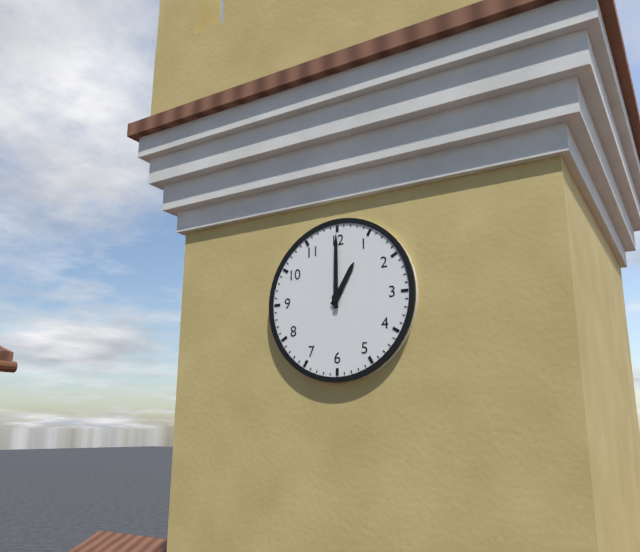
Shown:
1.00
